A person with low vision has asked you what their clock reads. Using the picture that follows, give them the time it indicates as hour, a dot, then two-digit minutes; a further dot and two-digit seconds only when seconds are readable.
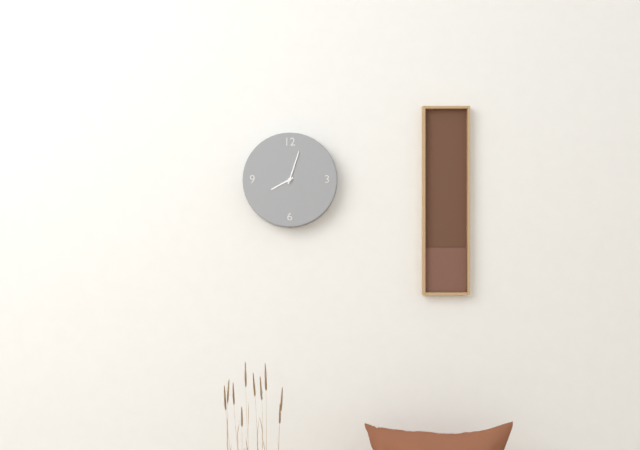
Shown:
8.03
